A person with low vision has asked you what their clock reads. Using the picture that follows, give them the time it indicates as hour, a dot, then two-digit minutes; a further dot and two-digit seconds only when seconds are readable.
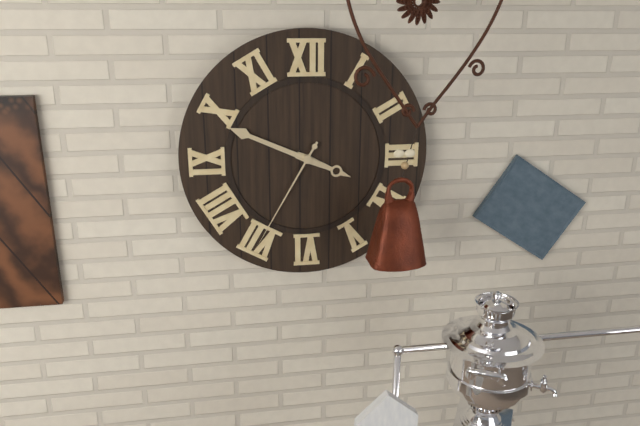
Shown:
3.49.35
